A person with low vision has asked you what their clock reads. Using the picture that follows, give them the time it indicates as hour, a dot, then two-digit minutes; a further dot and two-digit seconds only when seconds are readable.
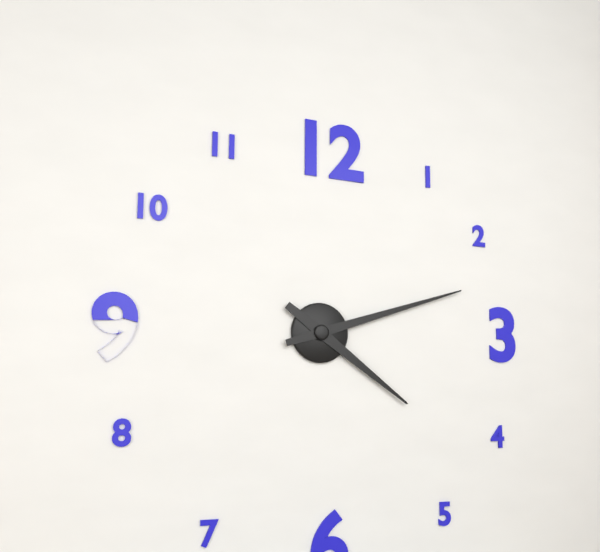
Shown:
4.12
